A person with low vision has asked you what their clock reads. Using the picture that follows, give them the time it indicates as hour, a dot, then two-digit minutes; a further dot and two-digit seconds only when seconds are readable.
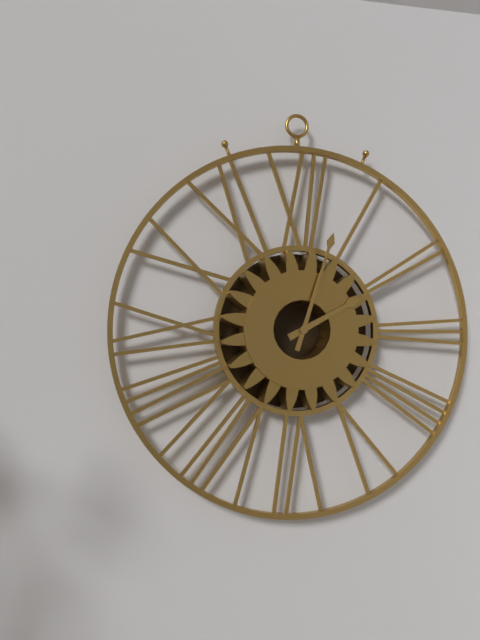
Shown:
2.03
